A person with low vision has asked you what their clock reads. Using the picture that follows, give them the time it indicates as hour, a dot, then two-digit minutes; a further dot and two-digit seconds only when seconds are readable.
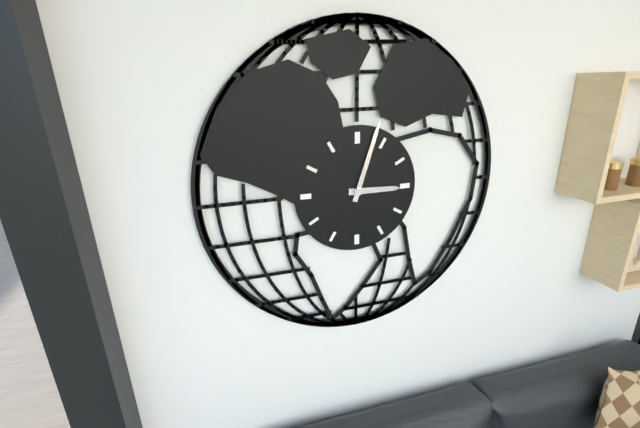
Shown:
3.03
